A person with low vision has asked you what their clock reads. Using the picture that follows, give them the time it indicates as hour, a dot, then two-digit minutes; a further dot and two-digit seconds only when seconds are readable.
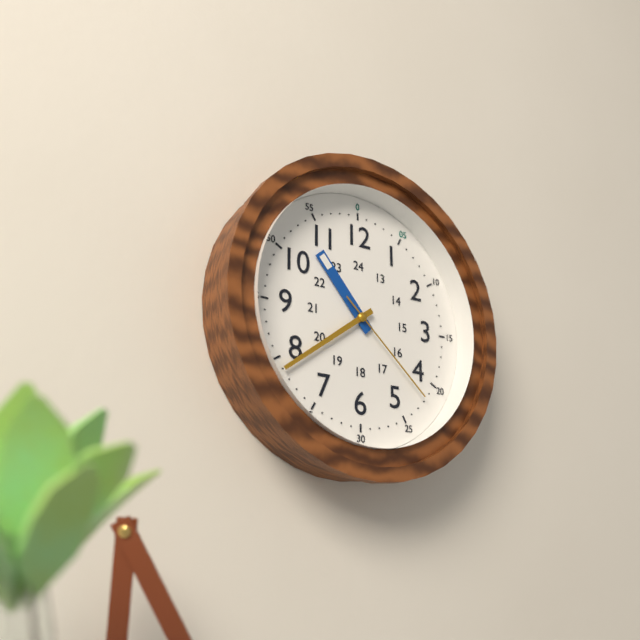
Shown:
10.39.22
